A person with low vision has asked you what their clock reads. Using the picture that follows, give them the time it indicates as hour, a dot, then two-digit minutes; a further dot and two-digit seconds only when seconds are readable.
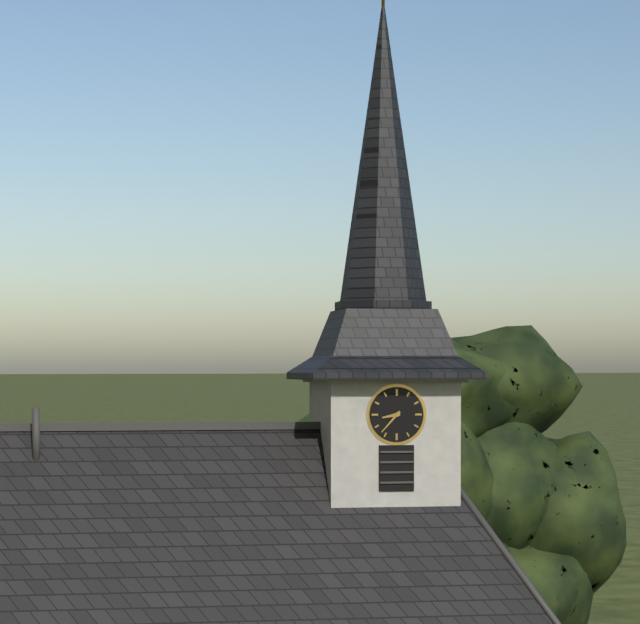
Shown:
8.37
